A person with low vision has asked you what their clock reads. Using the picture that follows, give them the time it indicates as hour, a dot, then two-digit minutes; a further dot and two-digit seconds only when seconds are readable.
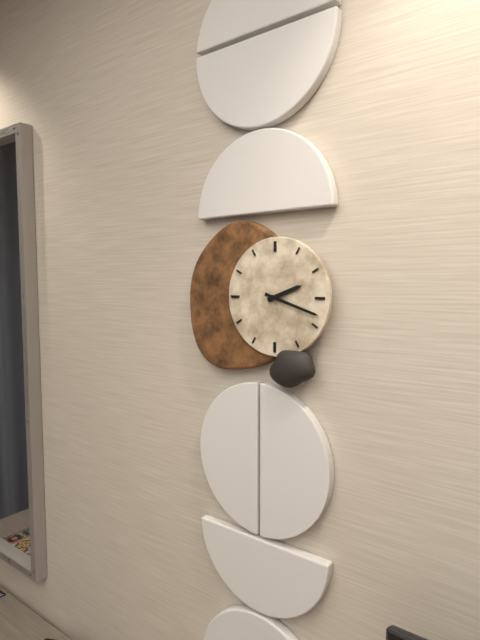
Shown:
2.18
